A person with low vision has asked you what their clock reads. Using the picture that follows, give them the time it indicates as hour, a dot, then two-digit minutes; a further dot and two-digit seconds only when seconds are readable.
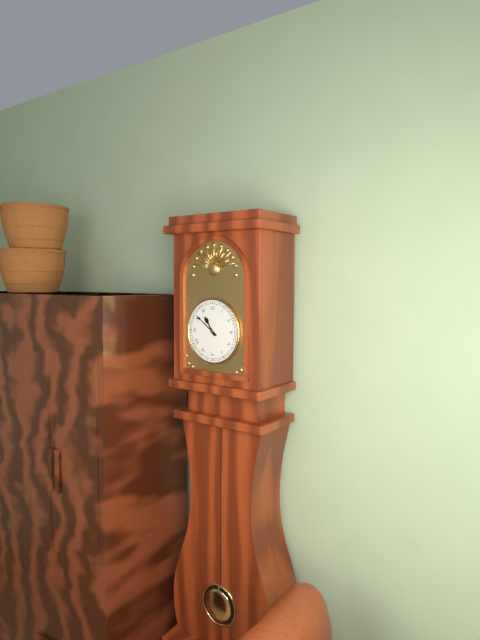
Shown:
10.51
